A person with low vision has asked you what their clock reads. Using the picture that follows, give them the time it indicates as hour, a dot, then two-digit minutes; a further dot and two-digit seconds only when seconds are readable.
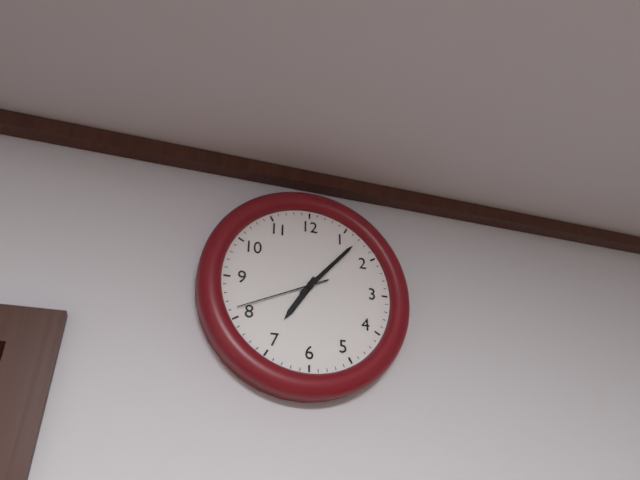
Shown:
7.07.41
